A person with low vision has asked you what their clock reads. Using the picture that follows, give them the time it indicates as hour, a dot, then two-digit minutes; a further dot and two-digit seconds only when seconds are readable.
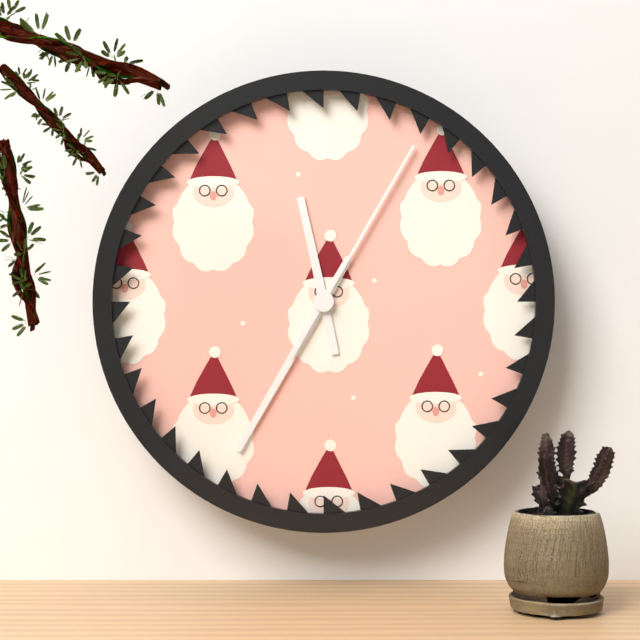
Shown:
11.35.05
